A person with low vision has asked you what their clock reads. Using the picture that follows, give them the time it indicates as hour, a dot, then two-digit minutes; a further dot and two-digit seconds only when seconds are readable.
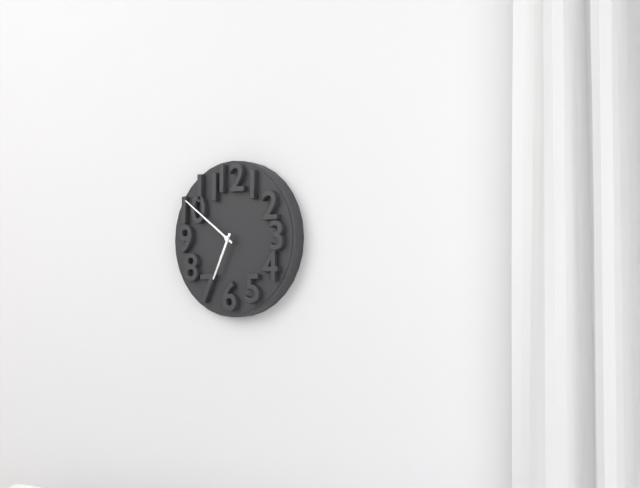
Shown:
6.51
